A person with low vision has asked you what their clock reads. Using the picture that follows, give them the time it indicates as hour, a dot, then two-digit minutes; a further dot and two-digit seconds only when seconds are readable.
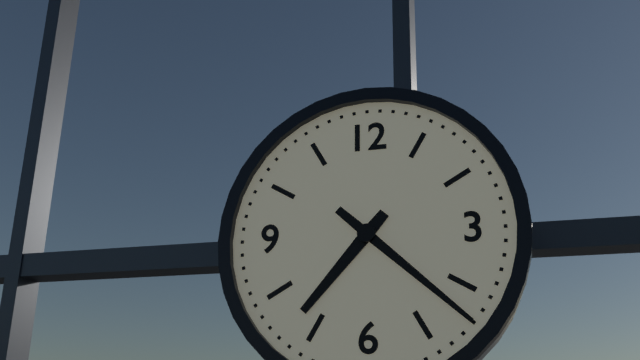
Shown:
7.22
